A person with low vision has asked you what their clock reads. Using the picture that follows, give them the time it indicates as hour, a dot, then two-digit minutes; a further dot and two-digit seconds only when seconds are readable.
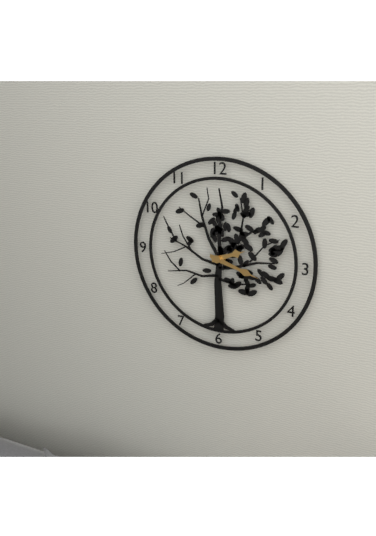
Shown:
2.18
